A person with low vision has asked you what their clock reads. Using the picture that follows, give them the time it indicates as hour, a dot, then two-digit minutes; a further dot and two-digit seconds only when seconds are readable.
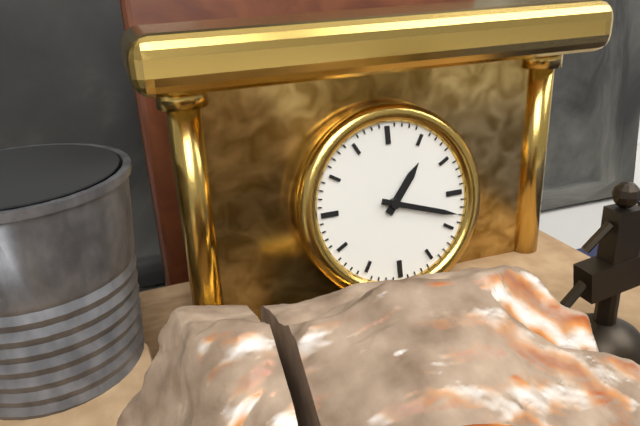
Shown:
1.18
